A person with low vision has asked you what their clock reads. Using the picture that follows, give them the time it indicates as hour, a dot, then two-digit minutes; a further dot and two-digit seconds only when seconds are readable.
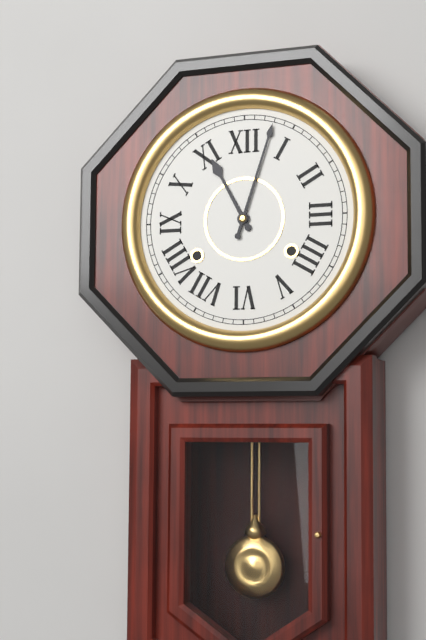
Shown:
11.03
